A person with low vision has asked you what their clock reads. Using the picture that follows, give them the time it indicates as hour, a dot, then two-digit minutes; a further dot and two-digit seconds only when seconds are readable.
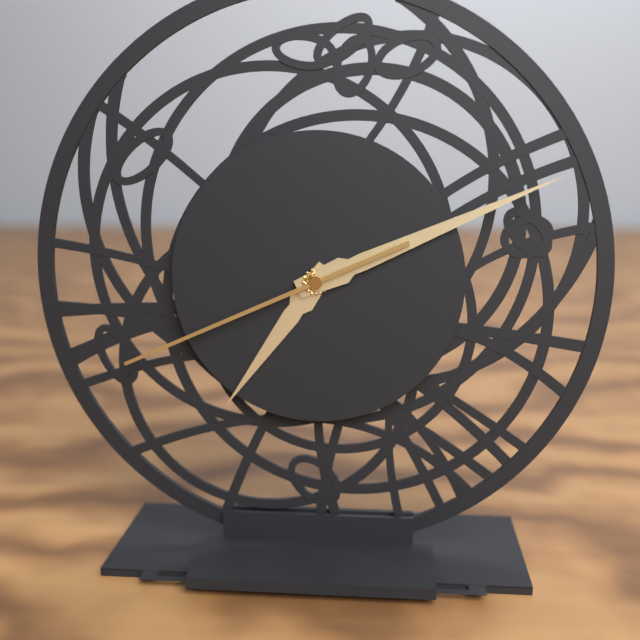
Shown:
7.11.41
